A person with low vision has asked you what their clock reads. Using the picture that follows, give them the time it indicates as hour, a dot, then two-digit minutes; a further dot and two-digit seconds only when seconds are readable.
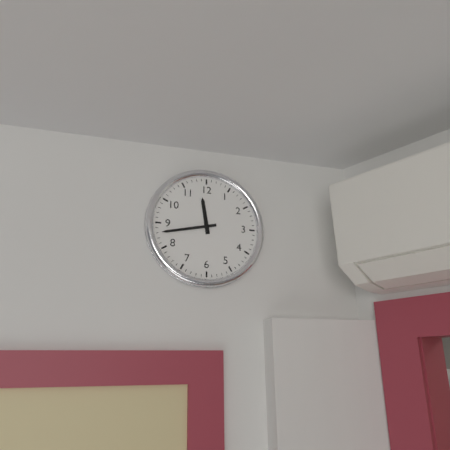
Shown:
11.43
